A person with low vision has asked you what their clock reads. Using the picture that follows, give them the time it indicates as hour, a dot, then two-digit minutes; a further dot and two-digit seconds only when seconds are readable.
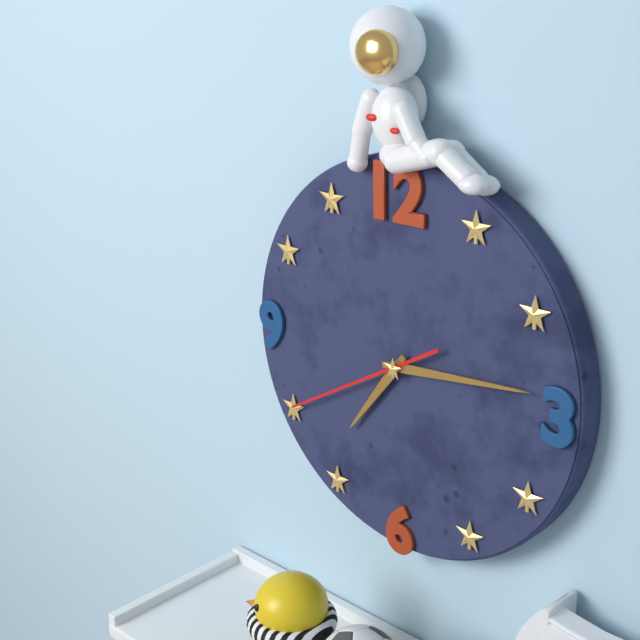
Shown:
7.14.40
